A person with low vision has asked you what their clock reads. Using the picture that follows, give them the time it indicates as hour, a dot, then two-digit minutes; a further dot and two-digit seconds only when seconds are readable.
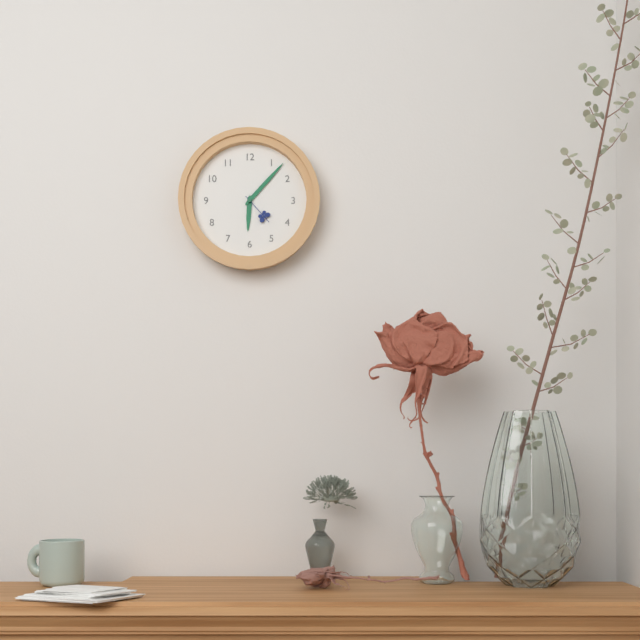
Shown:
6.07
